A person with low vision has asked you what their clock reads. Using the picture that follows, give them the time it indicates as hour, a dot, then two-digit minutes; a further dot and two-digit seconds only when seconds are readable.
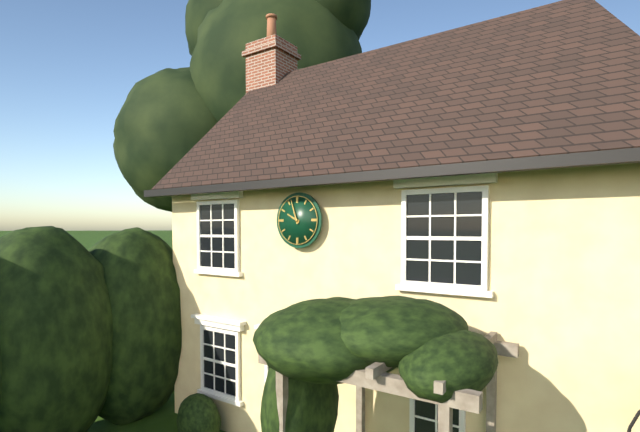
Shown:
9.57
